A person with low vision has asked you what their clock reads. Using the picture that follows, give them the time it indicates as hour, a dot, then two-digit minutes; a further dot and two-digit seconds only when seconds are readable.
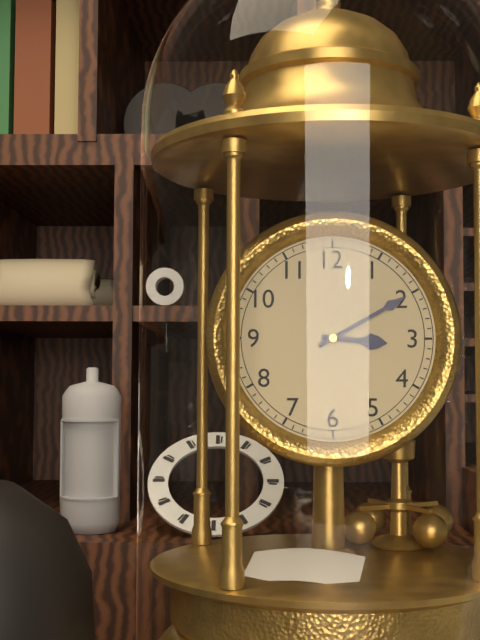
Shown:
3.10
